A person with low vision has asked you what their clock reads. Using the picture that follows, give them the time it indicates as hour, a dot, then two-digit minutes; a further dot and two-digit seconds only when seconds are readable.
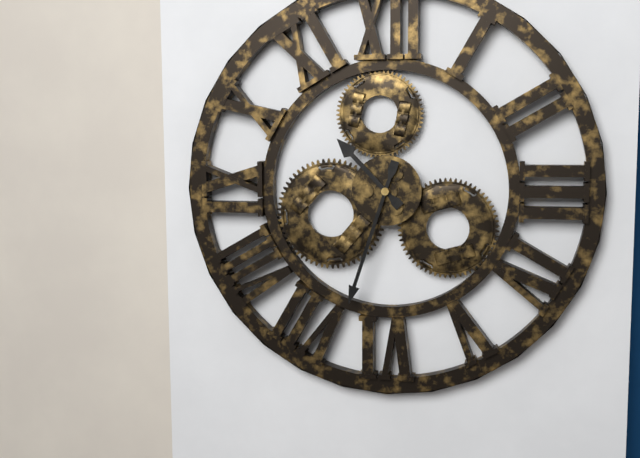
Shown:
10.33
